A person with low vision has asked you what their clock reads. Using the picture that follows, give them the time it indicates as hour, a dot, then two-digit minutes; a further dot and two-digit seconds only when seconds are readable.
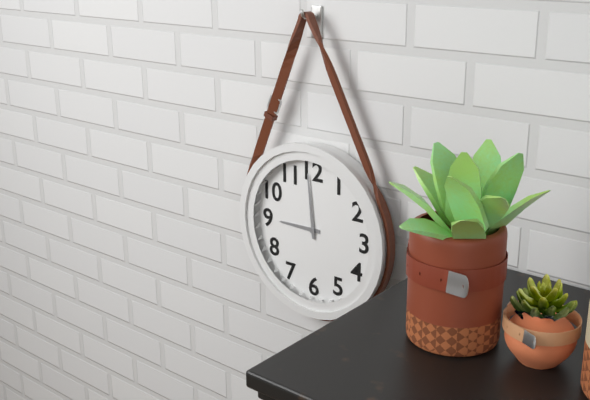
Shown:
8.59
